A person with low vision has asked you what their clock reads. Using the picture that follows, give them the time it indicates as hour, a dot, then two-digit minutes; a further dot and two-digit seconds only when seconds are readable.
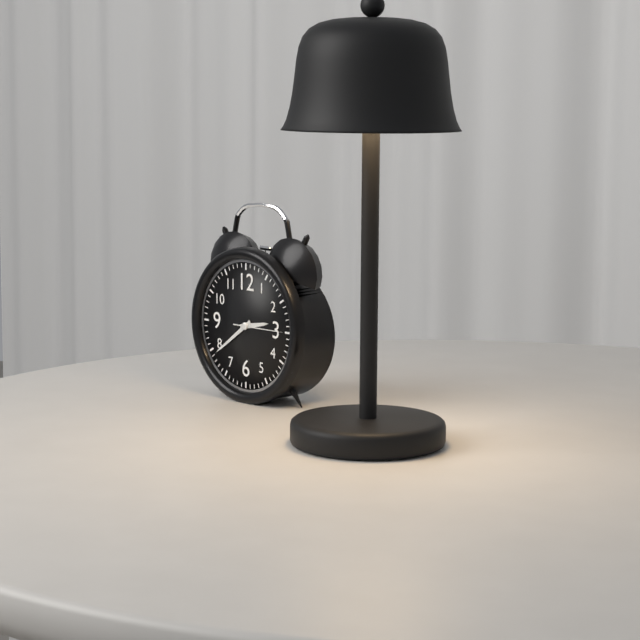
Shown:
2.39
